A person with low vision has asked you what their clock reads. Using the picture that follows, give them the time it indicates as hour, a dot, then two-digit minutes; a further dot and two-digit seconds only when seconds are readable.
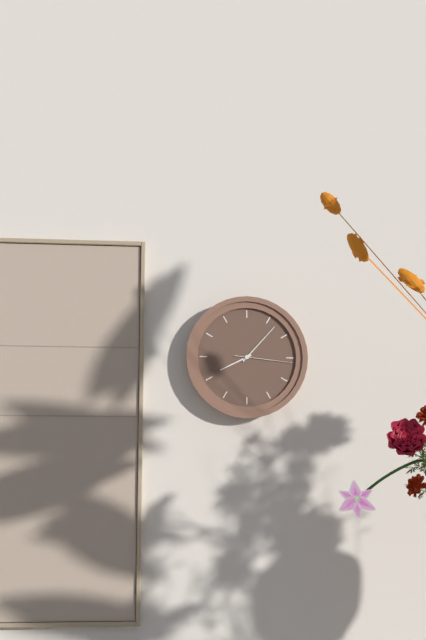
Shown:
8.07.16
